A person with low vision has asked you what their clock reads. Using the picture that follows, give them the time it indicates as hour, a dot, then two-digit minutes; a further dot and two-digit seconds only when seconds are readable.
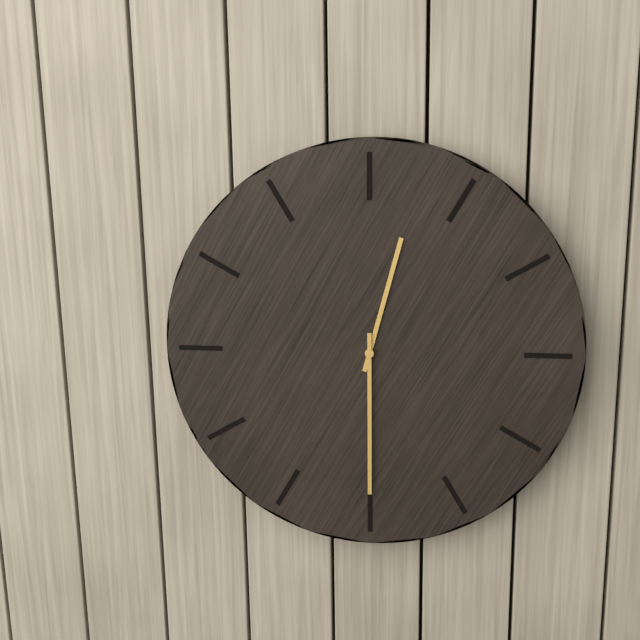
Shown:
12.30
